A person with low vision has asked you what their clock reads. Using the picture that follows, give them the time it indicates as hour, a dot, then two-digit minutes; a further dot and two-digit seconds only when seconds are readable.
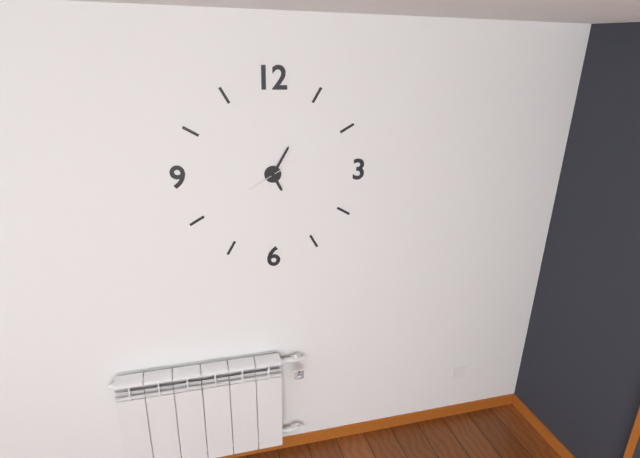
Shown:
5.05
